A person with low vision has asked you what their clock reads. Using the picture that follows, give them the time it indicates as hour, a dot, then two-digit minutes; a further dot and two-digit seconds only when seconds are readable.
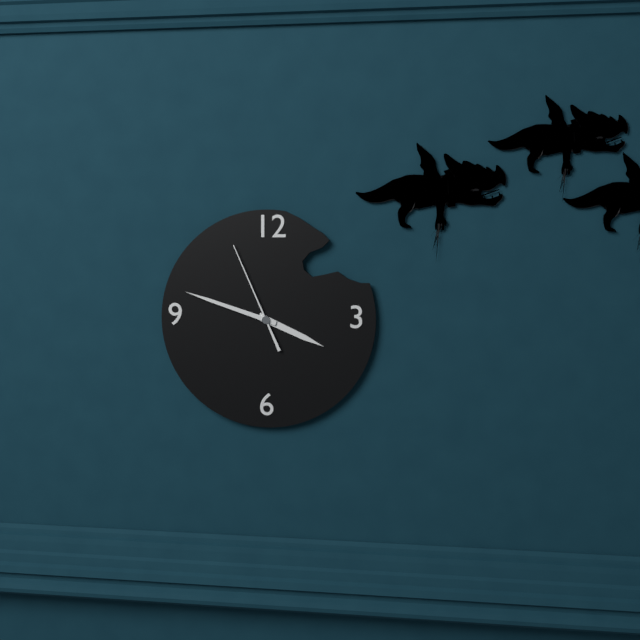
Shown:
3.48.56
